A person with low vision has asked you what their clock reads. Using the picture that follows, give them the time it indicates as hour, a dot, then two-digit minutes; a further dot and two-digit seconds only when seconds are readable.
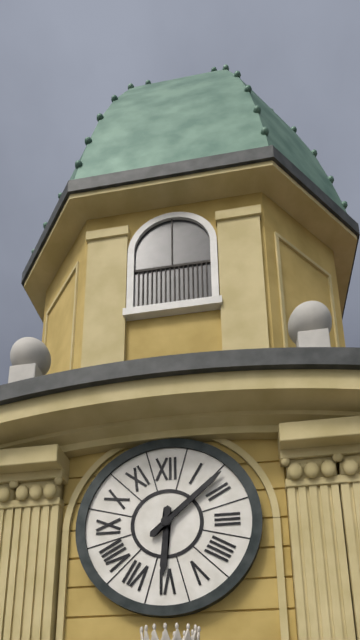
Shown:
6.08
